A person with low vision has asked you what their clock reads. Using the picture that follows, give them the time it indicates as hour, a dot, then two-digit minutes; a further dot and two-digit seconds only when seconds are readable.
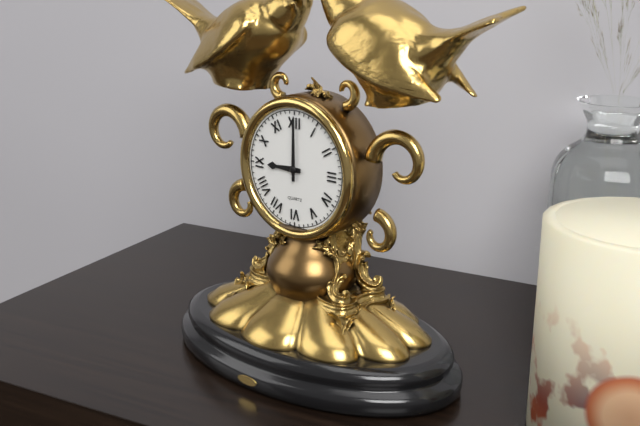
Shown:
9.00
